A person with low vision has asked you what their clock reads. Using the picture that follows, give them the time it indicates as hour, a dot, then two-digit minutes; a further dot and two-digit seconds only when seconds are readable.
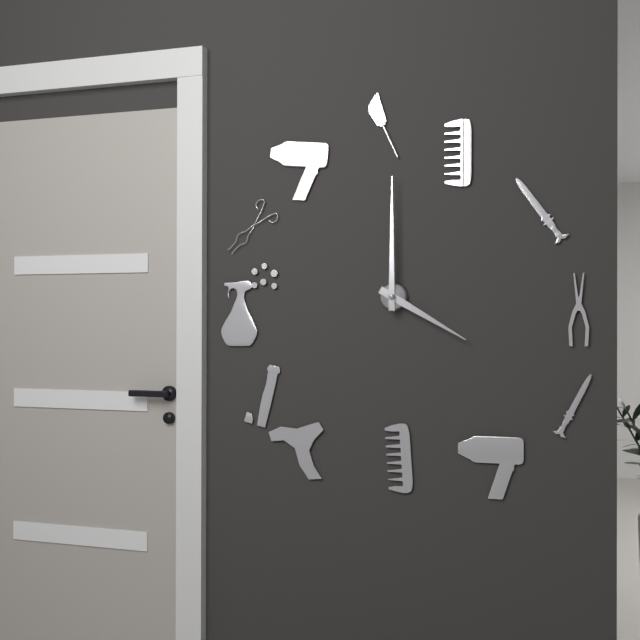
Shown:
4.00
